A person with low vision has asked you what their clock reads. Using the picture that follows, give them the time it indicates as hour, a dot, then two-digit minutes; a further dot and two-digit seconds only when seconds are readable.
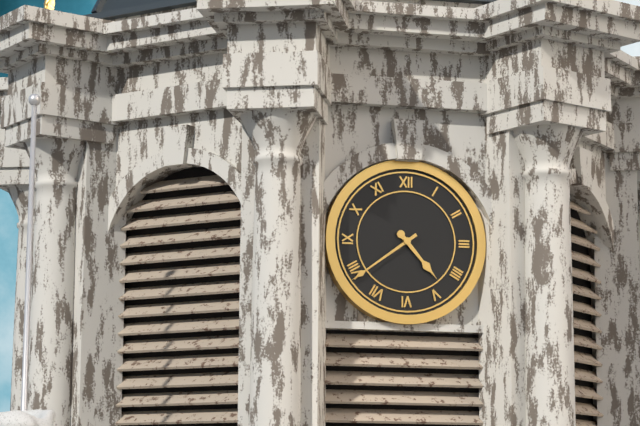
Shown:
4.39
